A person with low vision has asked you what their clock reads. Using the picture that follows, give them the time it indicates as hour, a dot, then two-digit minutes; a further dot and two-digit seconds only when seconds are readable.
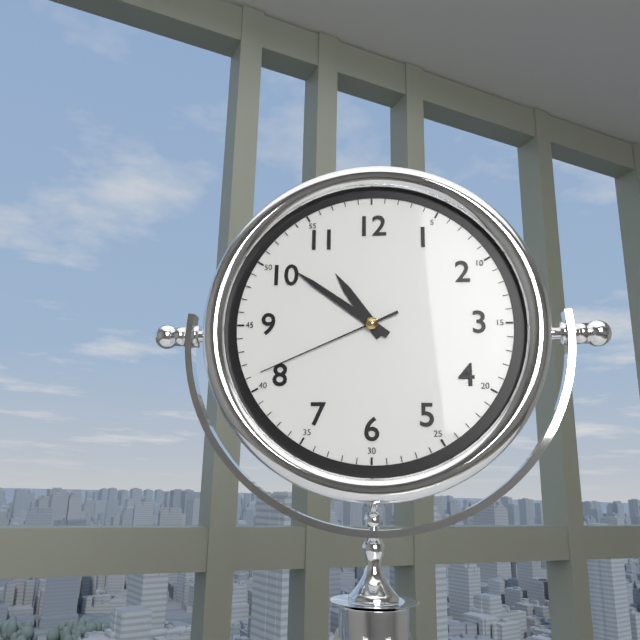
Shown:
10.51.41
